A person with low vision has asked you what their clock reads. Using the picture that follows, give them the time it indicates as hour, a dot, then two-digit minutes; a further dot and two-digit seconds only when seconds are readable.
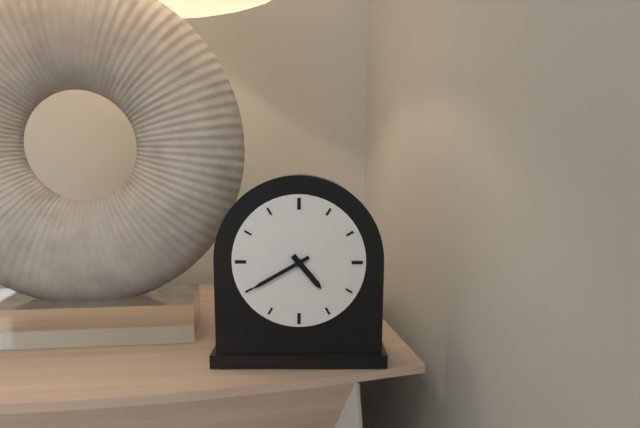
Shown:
4.40
